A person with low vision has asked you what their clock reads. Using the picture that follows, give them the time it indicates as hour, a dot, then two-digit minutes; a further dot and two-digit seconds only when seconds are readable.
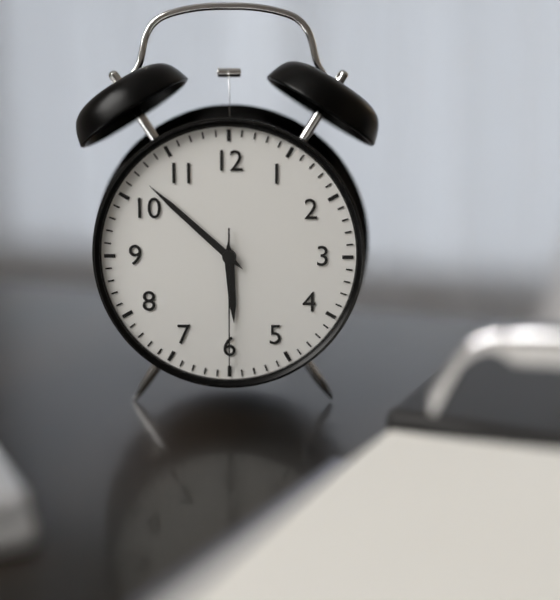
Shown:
5.52.30
